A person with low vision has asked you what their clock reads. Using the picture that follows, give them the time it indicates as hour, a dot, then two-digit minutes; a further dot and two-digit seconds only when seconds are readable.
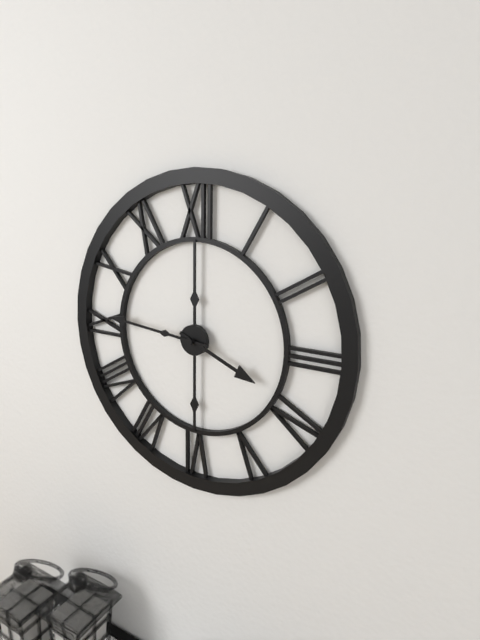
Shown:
3.46
